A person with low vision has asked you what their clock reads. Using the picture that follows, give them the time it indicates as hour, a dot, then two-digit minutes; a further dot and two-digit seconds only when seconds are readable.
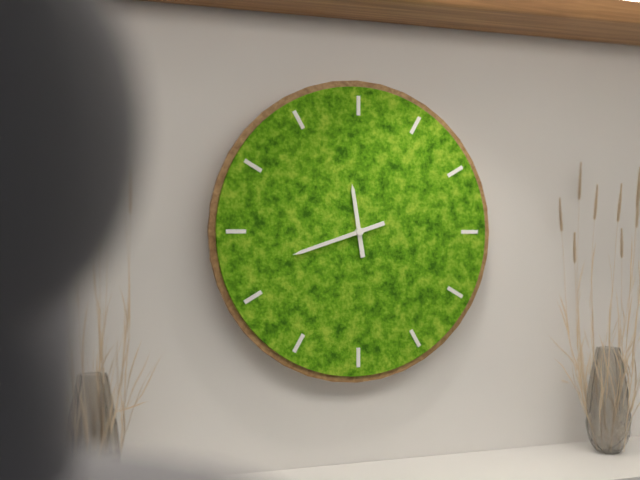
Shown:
11.42
